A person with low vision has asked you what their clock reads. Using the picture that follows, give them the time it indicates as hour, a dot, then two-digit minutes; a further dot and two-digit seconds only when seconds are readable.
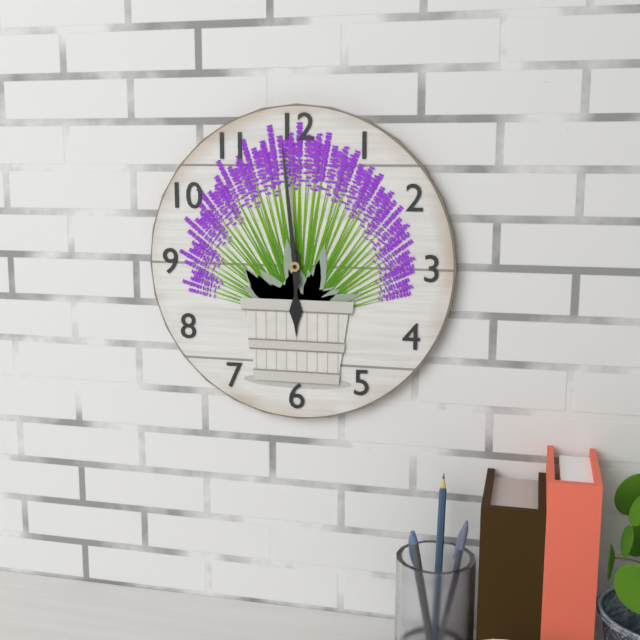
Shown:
5.59
